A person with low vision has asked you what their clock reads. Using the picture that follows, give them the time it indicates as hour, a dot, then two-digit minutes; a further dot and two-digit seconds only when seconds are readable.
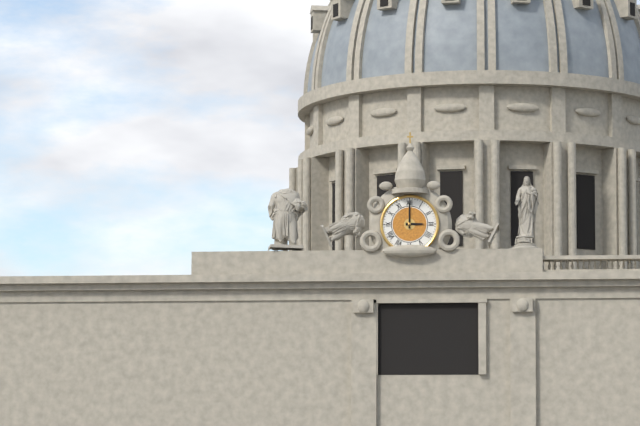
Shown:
3.00
